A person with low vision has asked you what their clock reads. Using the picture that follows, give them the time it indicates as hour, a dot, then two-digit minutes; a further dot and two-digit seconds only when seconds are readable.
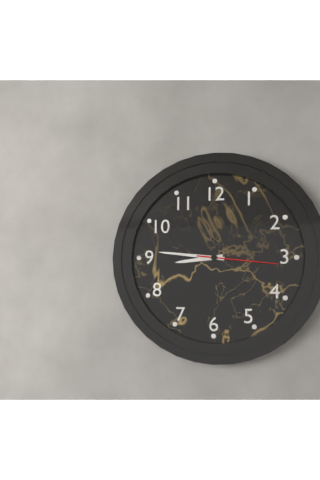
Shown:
8.46.16
